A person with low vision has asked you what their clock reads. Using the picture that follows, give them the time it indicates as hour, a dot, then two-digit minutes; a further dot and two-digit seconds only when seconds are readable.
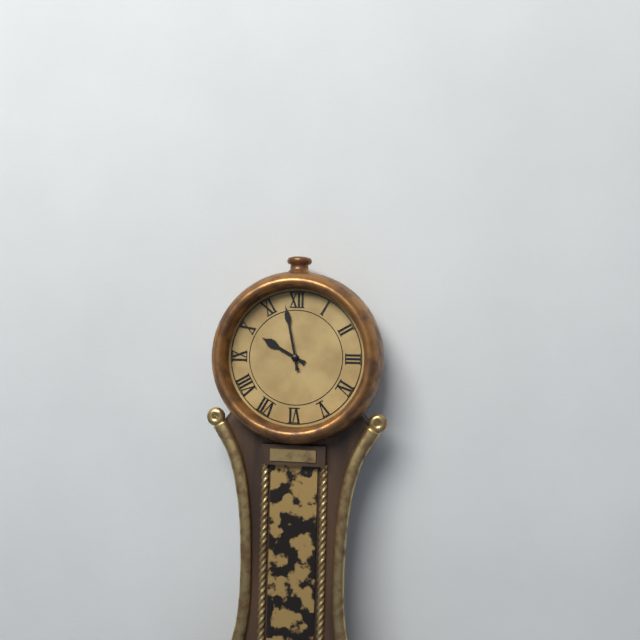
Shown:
9.58
